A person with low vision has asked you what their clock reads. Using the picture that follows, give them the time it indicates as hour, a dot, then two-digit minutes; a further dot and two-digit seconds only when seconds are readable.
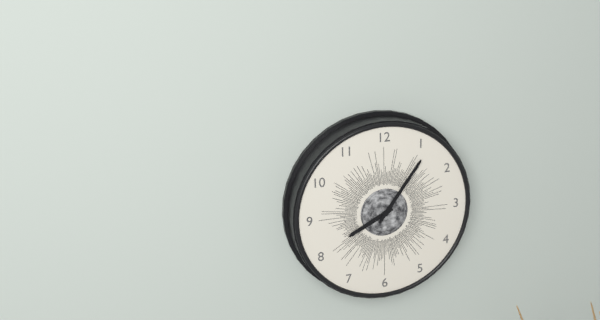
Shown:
8.06
